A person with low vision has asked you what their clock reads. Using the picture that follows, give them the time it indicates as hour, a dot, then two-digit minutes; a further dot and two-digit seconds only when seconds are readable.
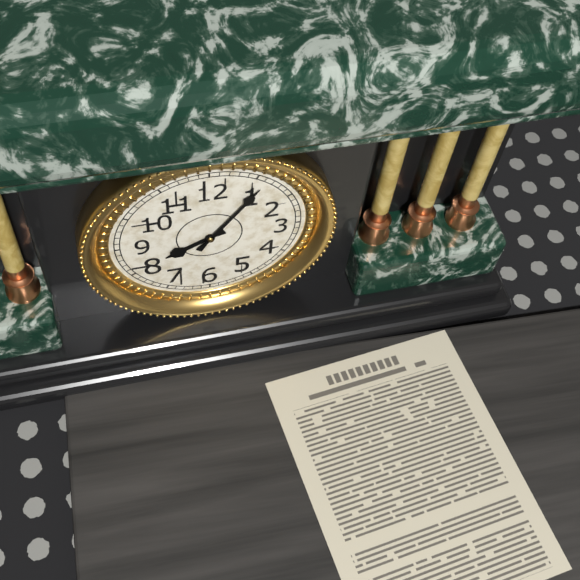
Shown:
8.06
